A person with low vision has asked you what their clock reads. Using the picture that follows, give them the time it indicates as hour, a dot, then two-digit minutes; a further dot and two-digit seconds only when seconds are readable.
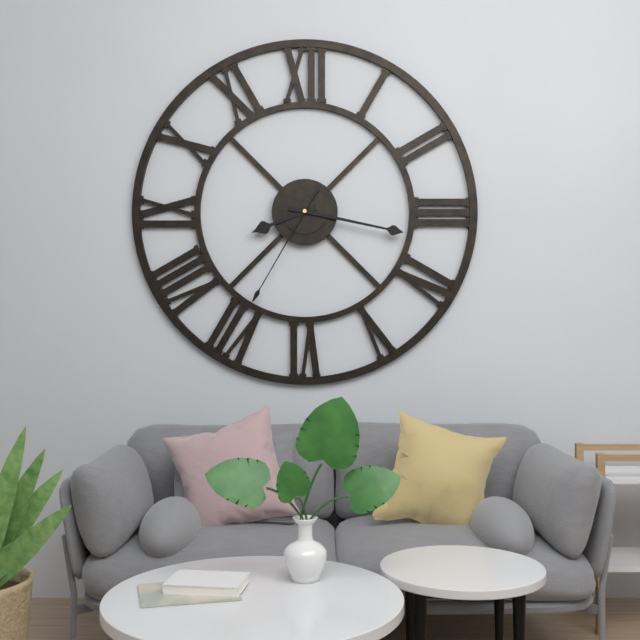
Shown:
8.17.35
